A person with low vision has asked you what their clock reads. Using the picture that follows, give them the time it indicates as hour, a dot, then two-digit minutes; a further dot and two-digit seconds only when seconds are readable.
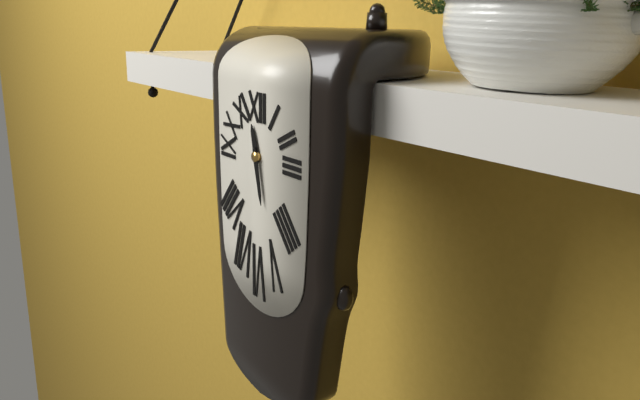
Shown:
11.28
